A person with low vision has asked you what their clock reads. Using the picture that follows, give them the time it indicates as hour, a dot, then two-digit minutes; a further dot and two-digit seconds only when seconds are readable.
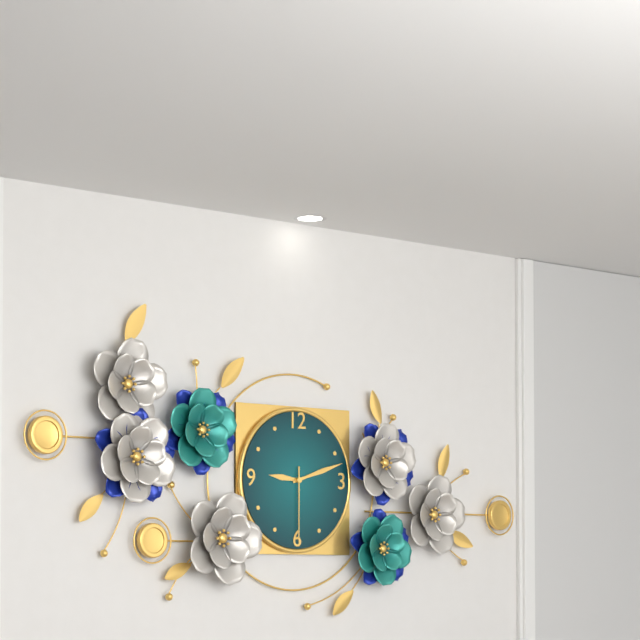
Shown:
9.12.30
